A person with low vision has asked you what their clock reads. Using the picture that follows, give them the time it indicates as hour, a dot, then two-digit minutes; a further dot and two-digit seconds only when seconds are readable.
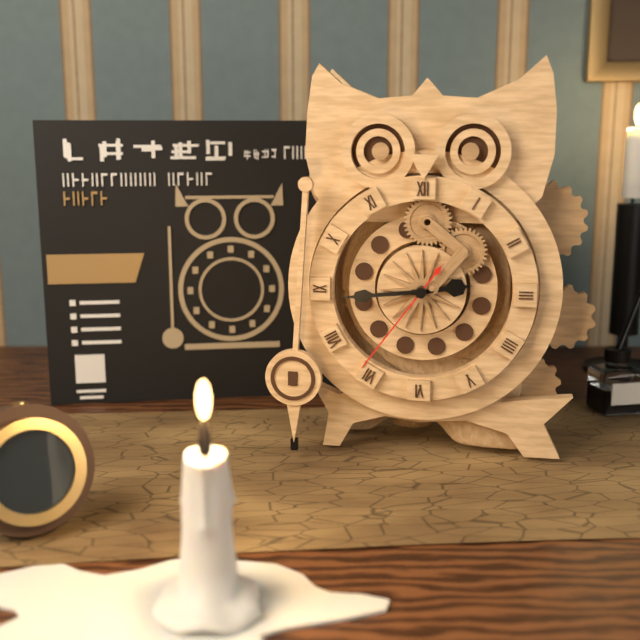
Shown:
2.44.36
